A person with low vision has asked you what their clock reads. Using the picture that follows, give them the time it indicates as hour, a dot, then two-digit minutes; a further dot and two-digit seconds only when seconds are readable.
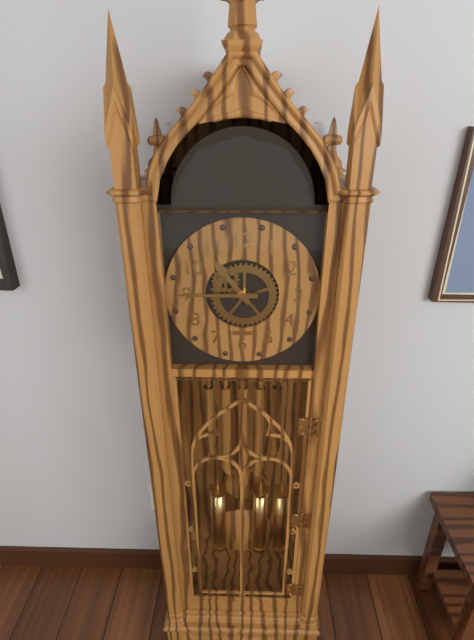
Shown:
10.45
